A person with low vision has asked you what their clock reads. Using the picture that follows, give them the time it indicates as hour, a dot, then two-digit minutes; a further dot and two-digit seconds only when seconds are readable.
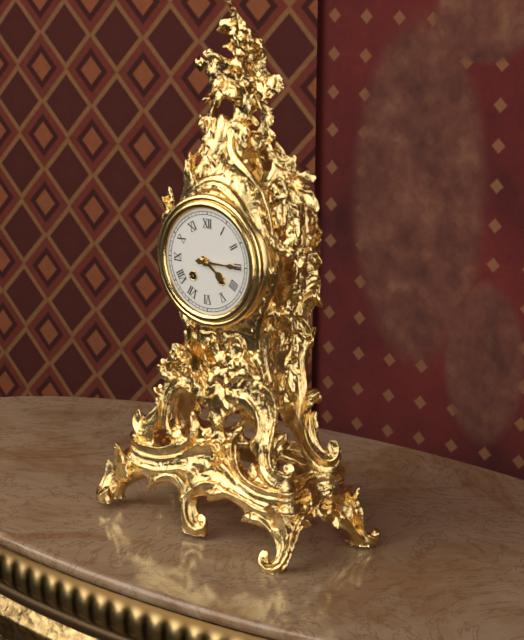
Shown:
4.15
